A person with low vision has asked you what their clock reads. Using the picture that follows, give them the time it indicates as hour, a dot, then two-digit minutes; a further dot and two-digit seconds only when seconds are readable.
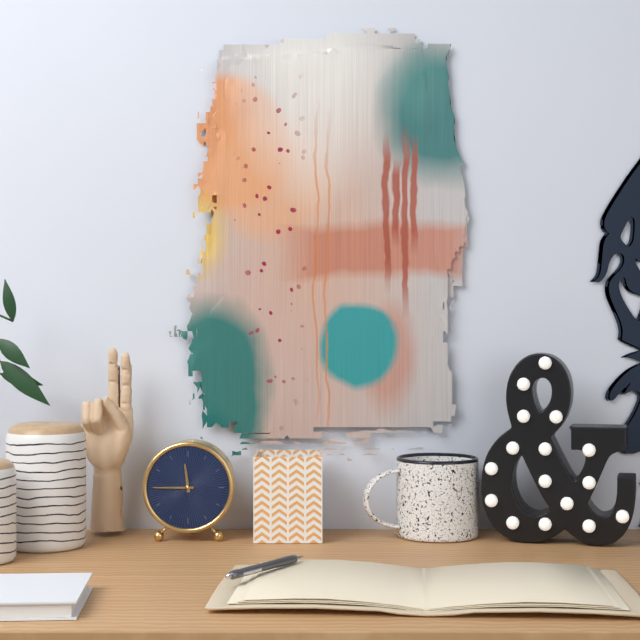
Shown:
11.45
